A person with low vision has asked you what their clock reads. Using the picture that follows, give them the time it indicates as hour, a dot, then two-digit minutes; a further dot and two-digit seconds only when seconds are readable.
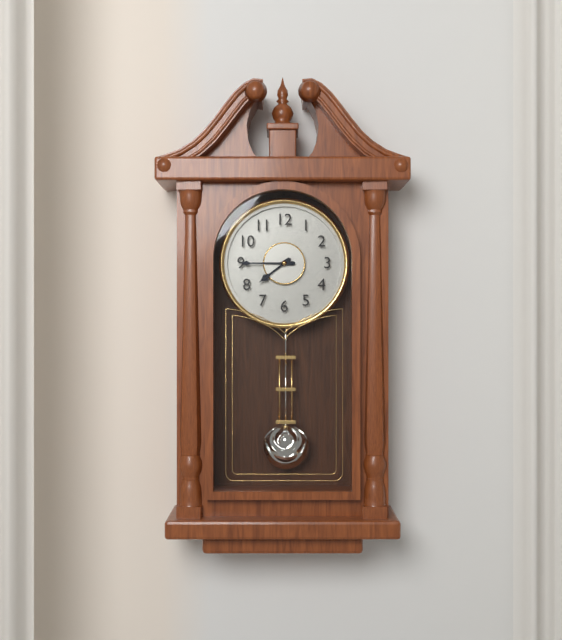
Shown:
7.45
